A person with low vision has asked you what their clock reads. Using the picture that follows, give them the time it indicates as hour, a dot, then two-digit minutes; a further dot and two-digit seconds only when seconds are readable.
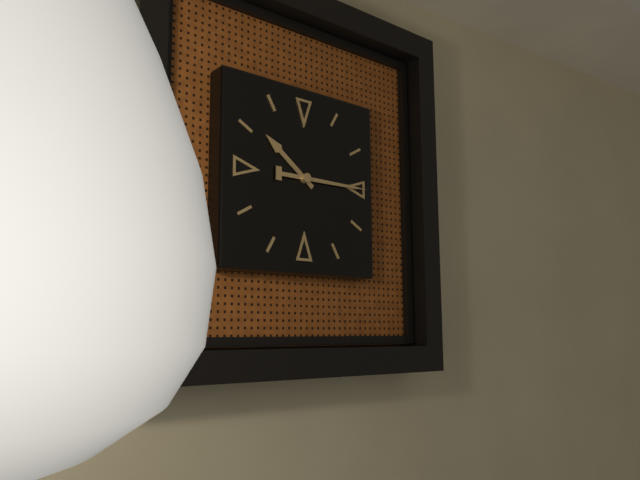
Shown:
10.15
